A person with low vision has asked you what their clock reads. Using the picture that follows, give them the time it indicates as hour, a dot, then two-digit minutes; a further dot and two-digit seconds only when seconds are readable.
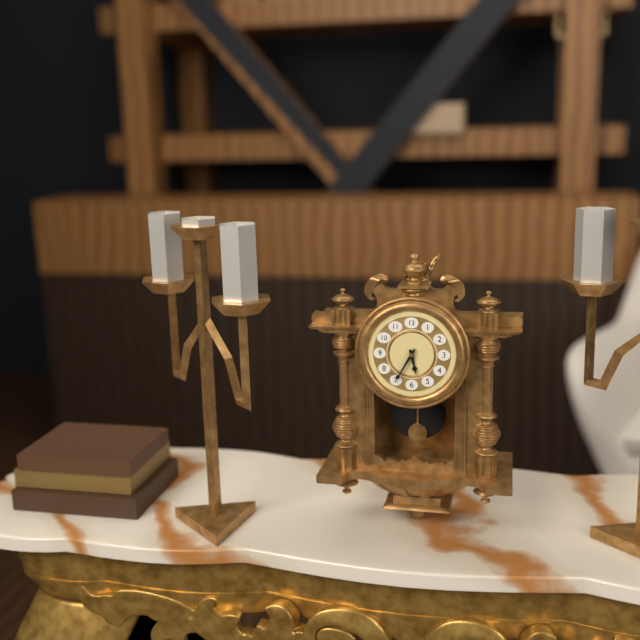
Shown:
5.35
